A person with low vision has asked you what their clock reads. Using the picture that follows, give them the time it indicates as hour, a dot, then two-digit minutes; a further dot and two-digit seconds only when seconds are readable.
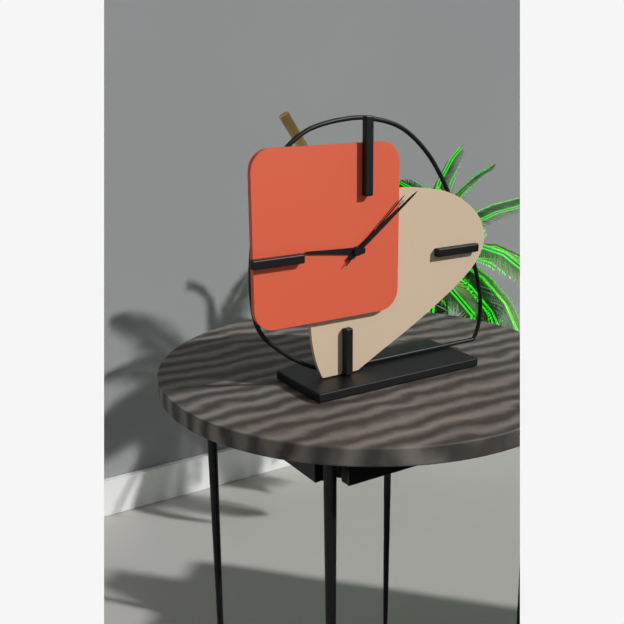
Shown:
9.09.08
